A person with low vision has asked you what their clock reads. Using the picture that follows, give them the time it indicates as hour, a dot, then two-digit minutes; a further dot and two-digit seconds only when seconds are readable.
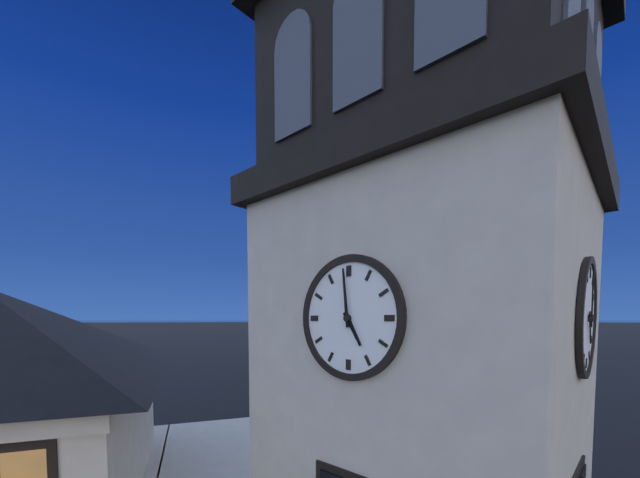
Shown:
4.59
